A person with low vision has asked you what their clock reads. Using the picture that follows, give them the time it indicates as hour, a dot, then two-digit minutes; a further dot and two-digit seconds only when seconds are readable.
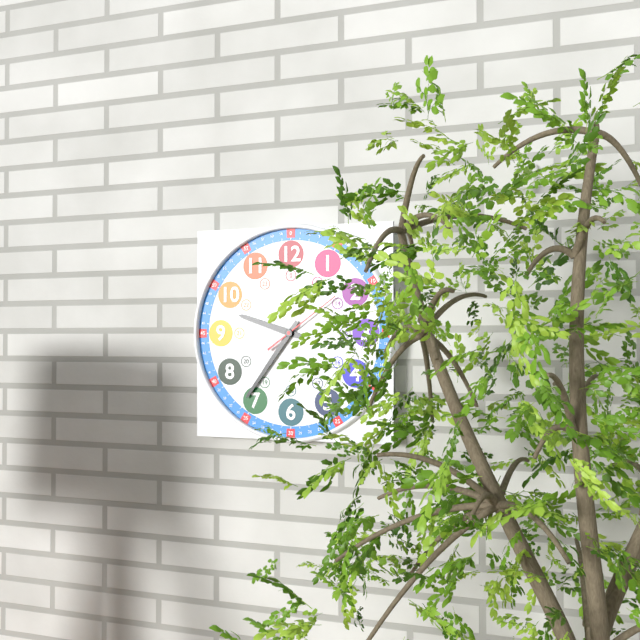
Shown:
9.36.09
